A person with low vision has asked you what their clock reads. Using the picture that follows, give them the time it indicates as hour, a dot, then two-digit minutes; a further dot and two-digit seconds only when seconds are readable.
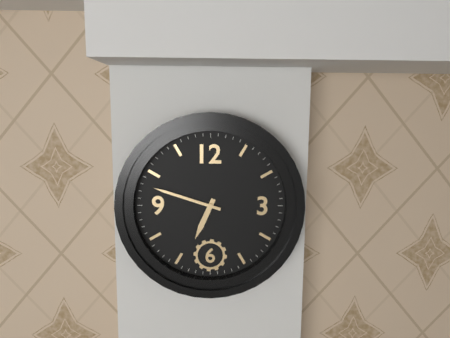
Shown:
6.48
